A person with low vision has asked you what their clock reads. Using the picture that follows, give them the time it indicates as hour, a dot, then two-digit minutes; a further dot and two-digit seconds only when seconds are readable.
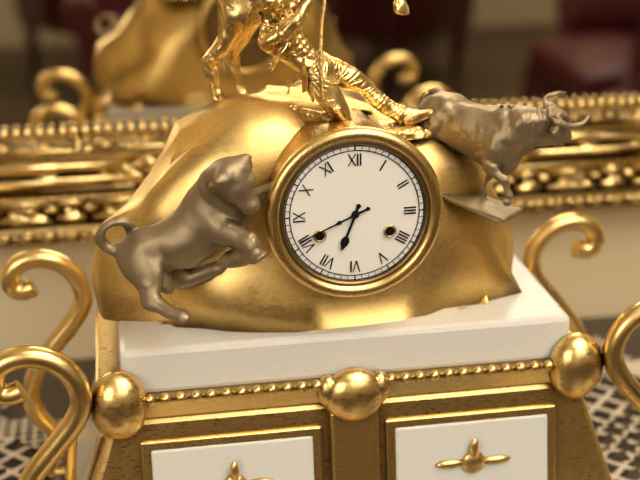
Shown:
6.41
